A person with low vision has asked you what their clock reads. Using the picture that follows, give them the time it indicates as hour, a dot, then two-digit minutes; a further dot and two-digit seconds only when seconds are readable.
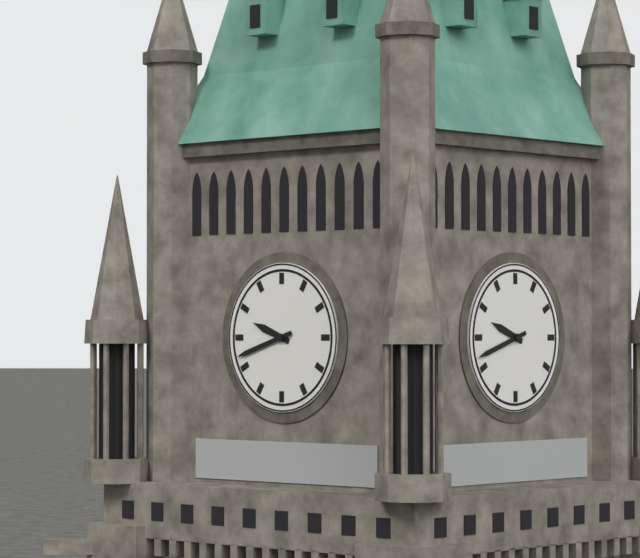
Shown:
9.42
